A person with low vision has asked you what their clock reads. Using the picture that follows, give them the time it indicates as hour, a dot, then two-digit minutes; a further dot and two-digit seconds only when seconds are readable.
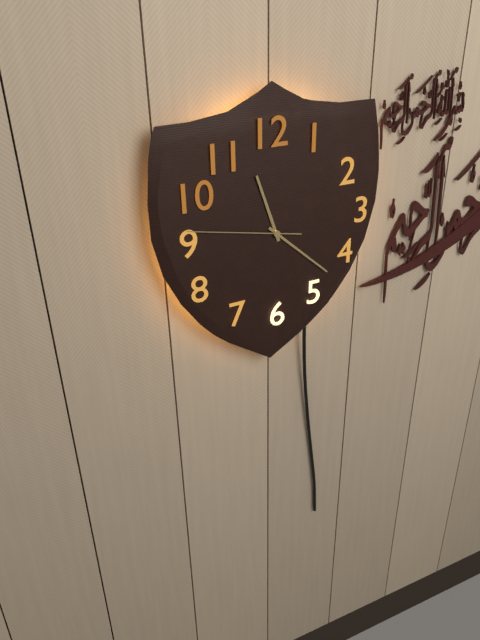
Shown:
11.22.47
